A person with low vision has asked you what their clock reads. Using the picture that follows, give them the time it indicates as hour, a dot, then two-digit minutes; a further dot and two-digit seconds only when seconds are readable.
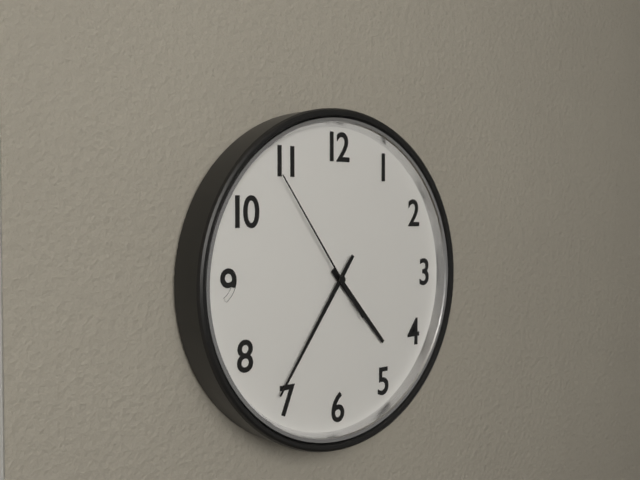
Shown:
4.36.54
